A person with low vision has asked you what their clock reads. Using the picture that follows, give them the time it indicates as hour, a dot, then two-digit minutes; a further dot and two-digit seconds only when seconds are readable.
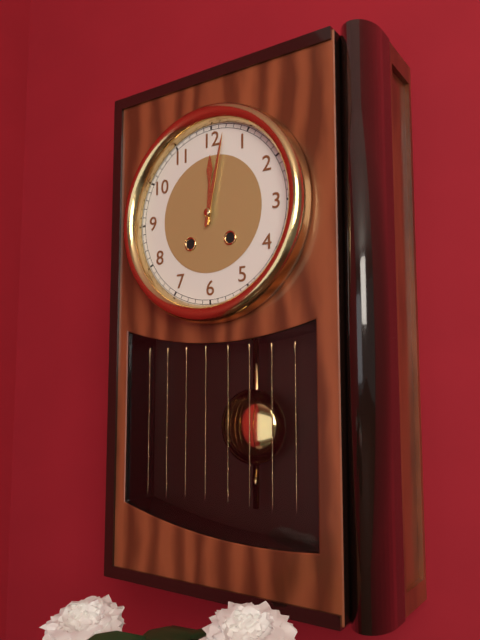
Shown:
12.02
